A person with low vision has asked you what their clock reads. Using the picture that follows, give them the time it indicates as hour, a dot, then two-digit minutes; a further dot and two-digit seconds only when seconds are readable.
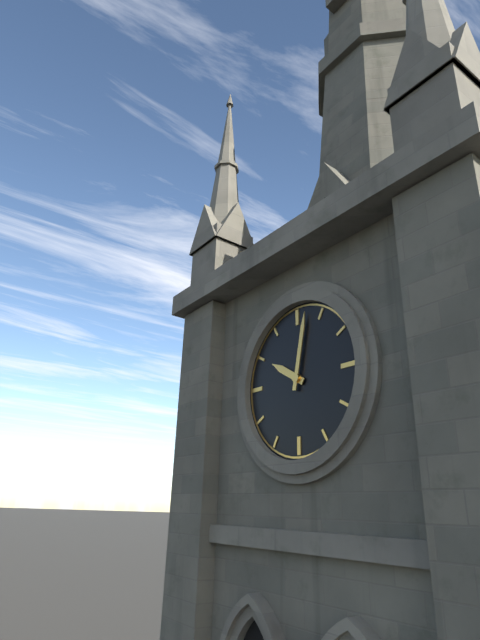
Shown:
10.02
